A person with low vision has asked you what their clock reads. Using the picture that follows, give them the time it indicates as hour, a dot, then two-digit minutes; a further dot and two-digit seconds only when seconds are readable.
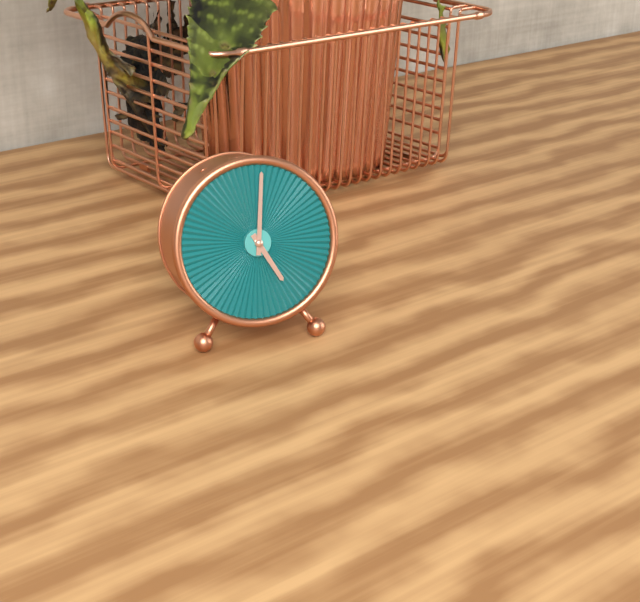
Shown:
5.01
